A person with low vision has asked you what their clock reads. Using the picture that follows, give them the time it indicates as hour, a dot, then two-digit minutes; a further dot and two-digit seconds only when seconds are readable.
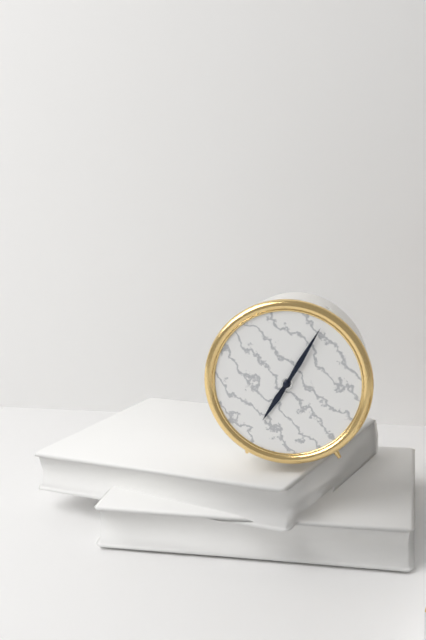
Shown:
7.05
